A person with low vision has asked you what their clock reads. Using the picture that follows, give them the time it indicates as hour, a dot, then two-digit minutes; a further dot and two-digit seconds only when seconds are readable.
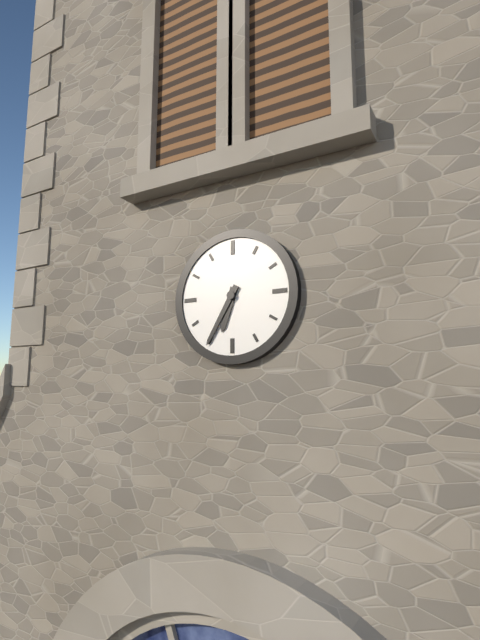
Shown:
6.35
